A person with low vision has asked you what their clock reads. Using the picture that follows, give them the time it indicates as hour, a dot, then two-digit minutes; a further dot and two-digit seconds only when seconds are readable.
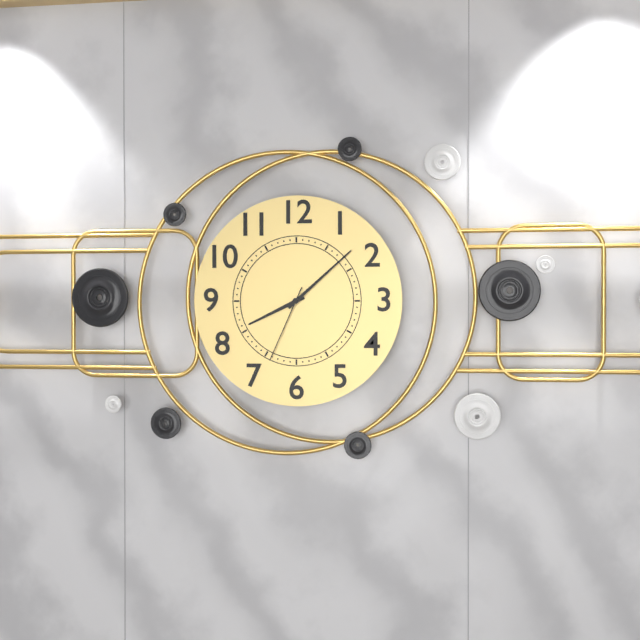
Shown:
8.08.34
